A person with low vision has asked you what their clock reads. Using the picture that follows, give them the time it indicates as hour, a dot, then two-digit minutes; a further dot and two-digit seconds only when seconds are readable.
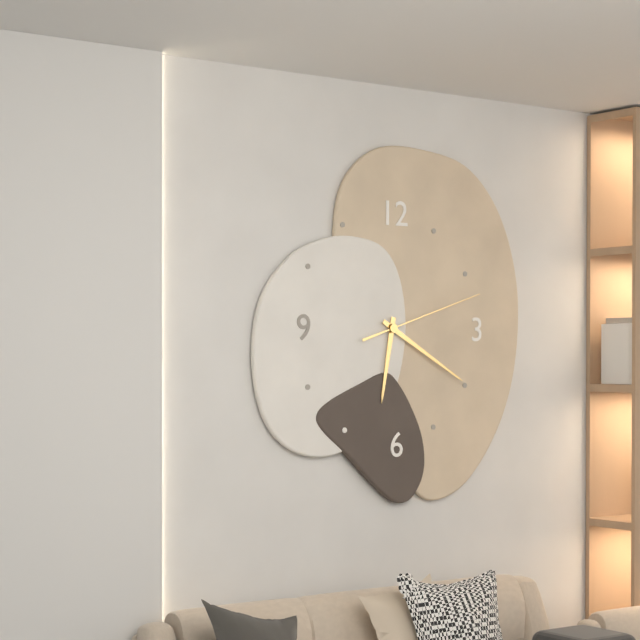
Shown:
6.20.12
